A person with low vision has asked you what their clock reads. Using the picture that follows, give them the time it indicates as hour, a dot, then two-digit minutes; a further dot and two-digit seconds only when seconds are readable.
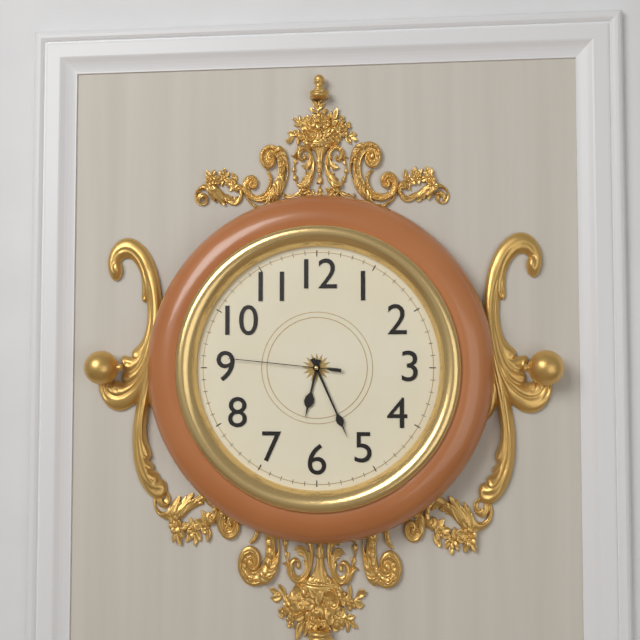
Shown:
6.26.46
